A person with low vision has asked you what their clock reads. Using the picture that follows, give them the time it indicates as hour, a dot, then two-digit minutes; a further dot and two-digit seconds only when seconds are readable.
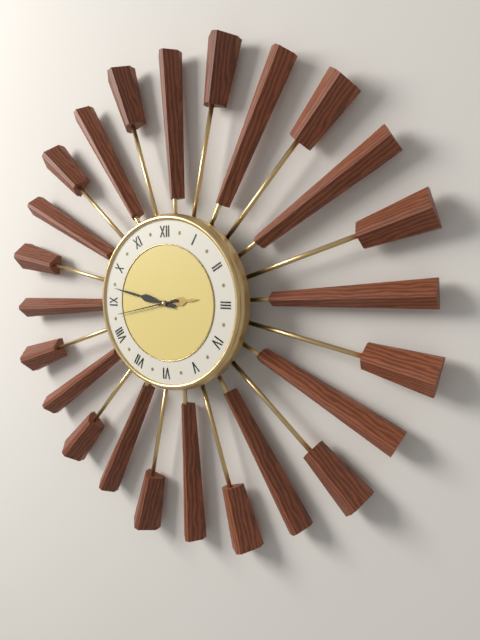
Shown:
2.47.43
